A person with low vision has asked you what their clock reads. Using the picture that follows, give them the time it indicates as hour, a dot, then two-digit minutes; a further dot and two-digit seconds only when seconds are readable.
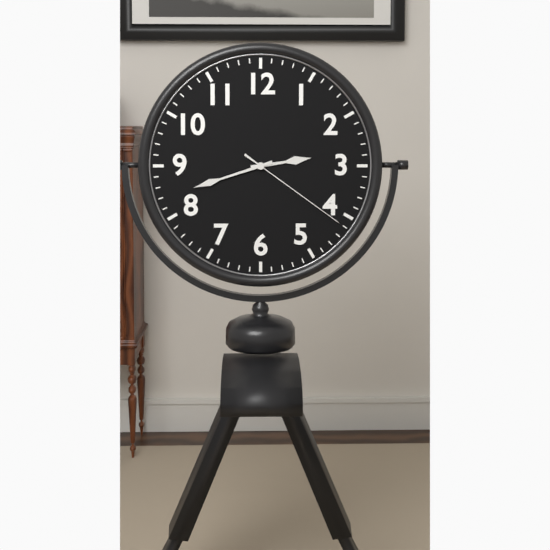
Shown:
2.42.21
